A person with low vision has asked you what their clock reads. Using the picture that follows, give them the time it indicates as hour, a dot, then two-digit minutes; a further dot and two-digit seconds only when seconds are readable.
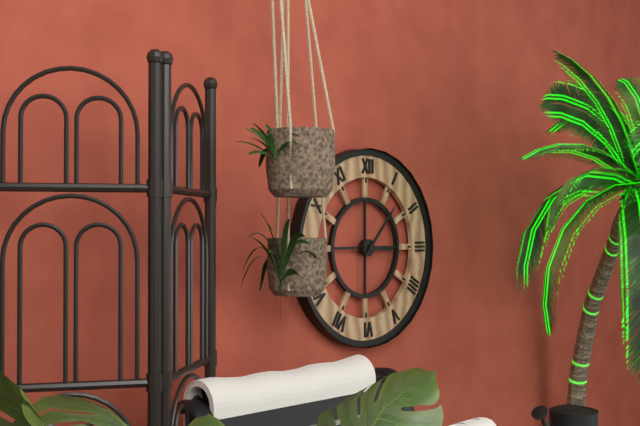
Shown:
3.07
